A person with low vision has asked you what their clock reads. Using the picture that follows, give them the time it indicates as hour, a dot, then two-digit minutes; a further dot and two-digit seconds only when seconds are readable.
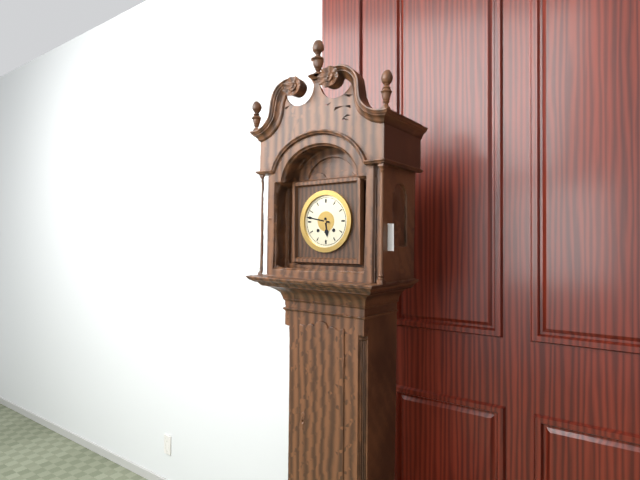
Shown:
5.47
